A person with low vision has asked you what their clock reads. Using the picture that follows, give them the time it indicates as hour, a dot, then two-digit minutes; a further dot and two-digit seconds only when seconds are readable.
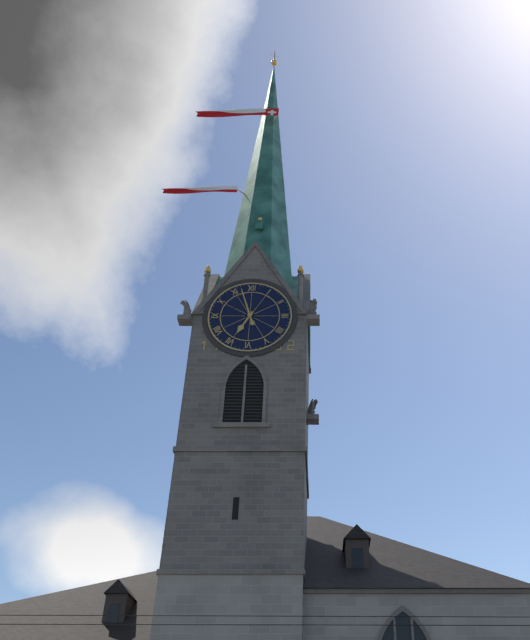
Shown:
6.57
